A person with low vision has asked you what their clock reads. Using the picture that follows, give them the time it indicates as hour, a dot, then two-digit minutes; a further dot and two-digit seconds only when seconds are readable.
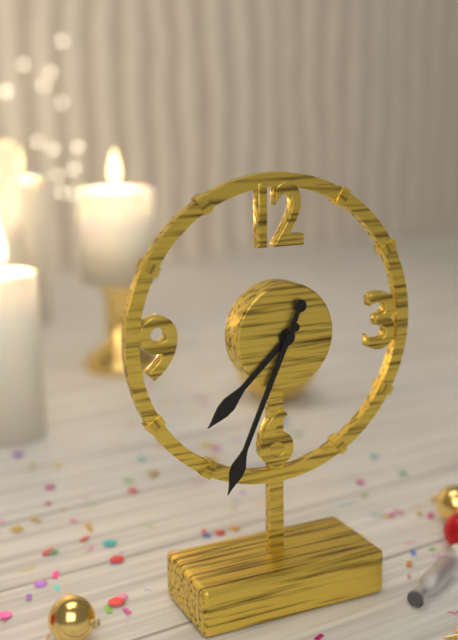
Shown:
7.34
